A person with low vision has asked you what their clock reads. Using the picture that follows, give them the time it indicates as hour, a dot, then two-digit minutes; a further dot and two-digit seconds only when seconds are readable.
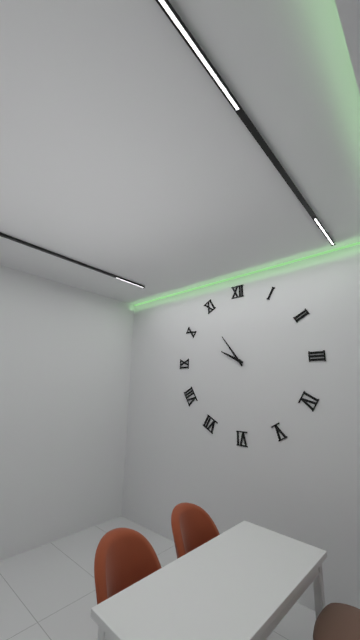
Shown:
9.54
